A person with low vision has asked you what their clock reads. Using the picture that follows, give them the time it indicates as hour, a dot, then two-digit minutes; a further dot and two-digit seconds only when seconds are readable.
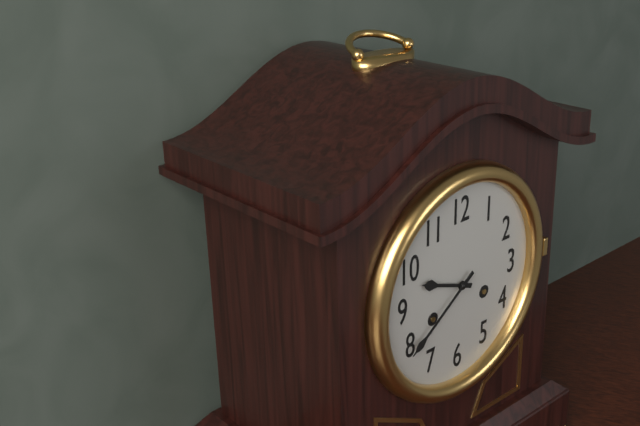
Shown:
9.39
